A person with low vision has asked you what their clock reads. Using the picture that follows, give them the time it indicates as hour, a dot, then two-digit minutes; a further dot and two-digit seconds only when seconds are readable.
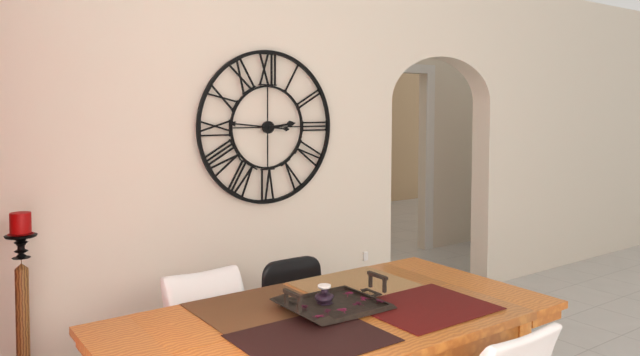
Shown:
2.46
